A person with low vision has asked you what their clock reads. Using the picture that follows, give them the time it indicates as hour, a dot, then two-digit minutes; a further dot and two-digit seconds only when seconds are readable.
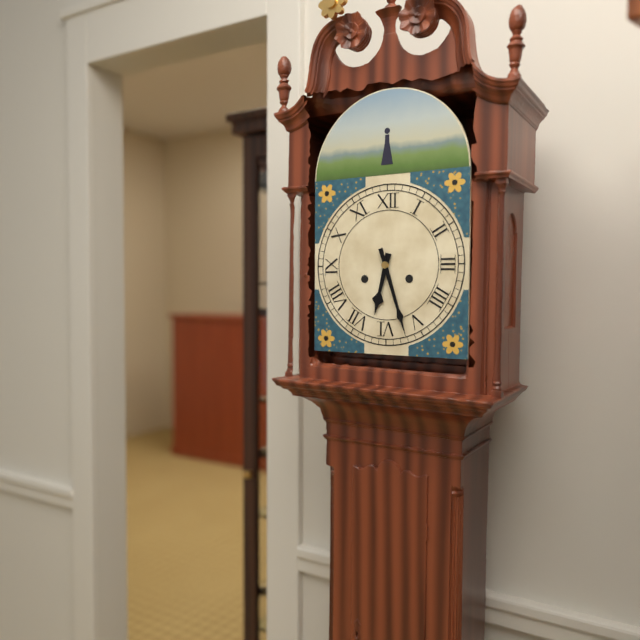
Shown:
6.27
